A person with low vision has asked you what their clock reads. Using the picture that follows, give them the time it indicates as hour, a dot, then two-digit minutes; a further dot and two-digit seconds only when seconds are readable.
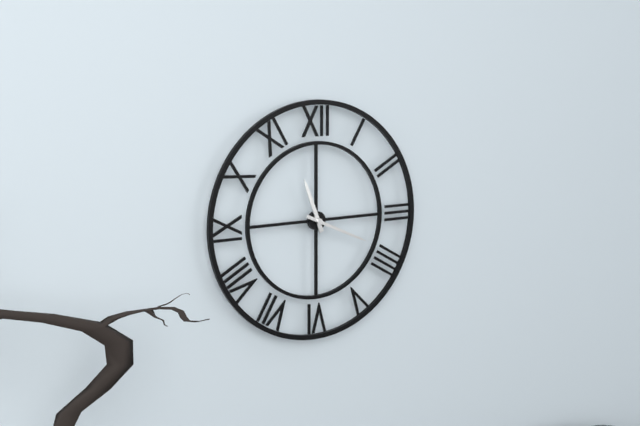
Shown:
11.19
